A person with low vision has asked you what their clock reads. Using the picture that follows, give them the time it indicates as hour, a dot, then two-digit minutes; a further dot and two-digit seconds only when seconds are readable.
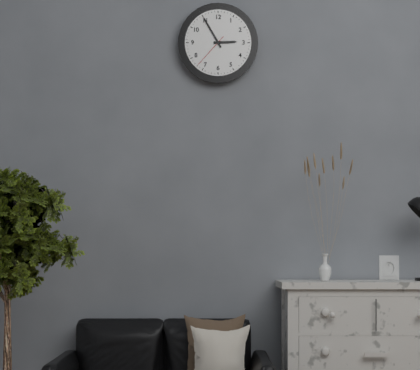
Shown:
2.55
